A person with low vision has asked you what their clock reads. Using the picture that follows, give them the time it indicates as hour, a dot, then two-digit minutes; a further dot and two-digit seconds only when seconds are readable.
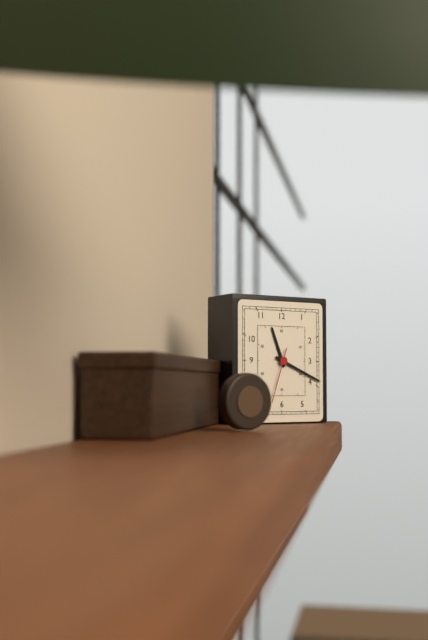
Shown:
11.19.33
